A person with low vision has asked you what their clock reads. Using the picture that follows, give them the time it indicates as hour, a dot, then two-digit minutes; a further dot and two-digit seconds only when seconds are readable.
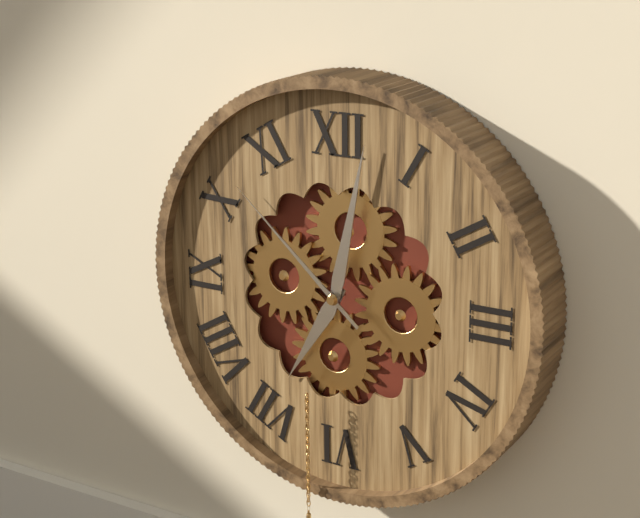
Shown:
7.02.52
